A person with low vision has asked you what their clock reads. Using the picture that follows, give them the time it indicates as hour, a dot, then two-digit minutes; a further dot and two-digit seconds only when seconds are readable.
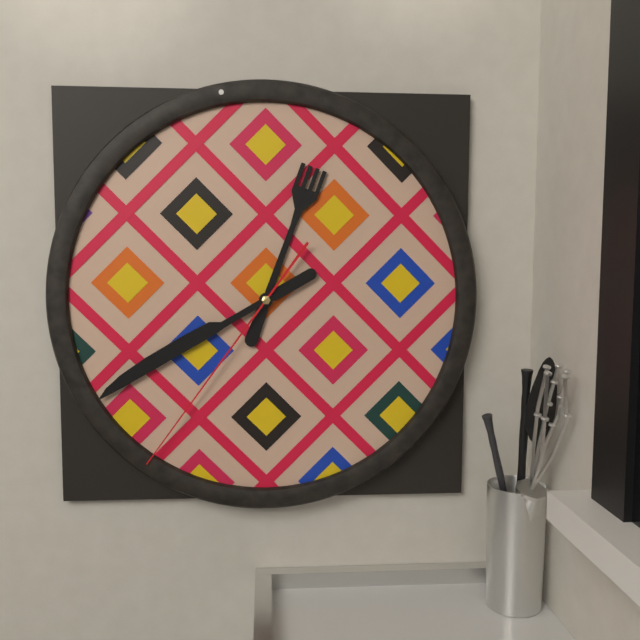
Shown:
12.40.36
